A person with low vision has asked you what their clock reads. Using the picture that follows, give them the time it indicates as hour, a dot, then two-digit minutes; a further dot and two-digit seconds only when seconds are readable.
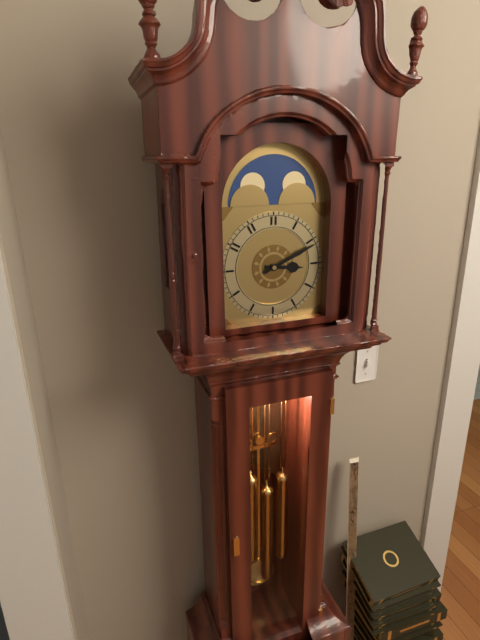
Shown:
3.11
